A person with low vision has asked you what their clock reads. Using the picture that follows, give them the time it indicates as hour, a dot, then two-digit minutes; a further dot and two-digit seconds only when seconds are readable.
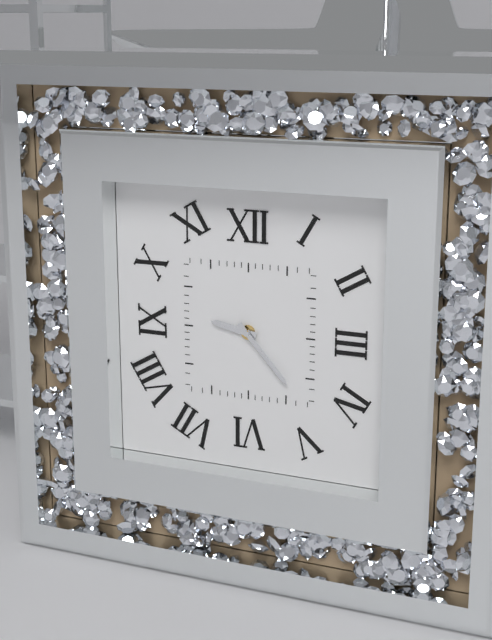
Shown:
9.23
